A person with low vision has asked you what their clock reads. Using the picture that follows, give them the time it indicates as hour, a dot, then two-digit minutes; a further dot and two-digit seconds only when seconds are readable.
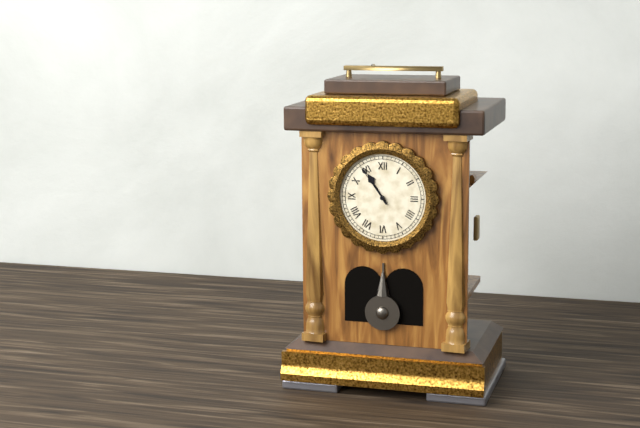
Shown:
10.54
